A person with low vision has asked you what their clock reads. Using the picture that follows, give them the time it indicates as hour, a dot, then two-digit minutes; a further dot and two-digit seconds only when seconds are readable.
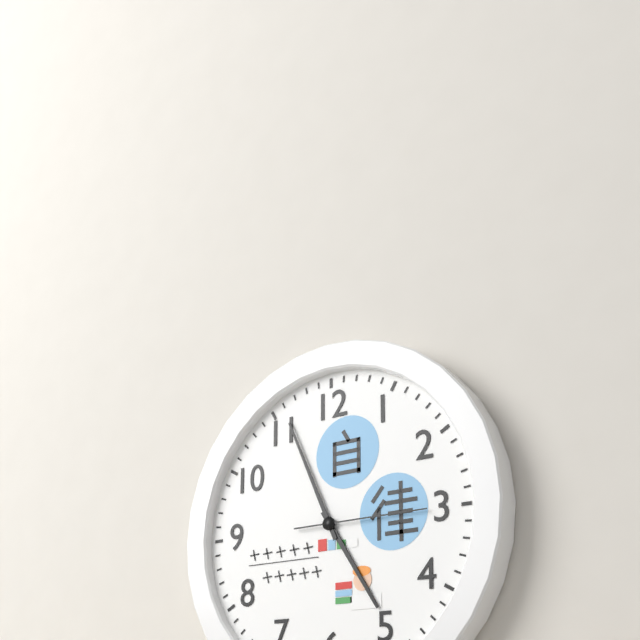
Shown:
4.56.15
